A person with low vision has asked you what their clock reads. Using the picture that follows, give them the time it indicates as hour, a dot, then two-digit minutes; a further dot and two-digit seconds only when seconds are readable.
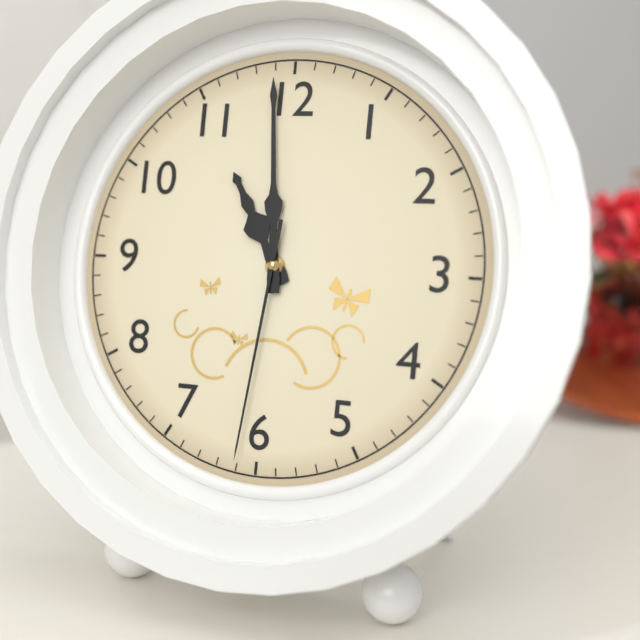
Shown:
10.59.31
